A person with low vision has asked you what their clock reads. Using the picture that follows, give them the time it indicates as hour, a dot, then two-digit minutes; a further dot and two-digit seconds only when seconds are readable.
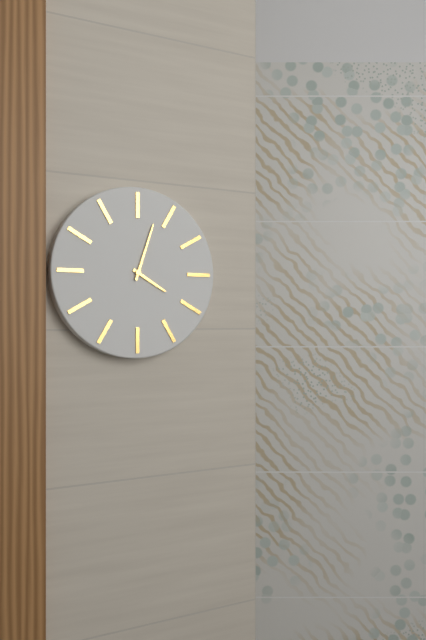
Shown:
4.03
